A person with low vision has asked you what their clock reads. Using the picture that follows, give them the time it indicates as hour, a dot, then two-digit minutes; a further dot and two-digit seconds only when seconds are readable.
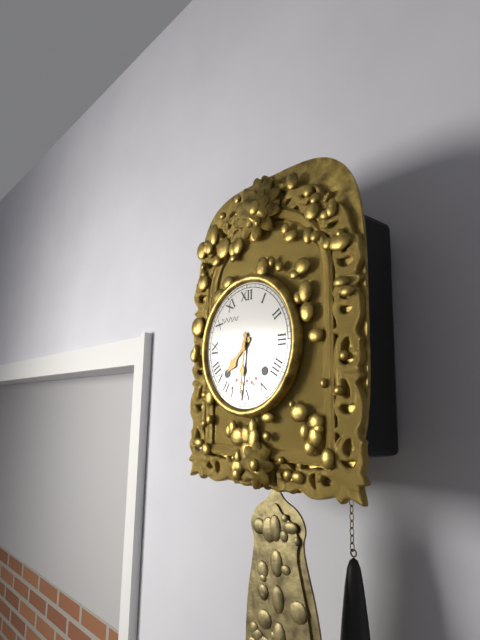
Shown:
7.31
